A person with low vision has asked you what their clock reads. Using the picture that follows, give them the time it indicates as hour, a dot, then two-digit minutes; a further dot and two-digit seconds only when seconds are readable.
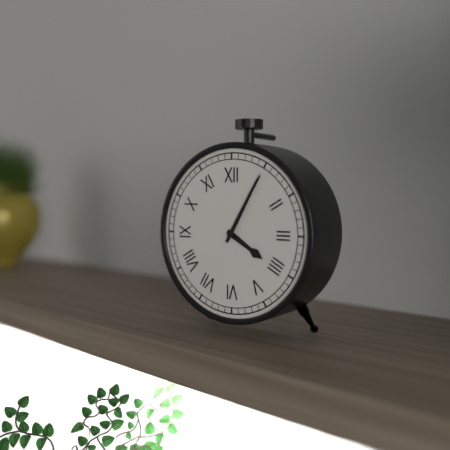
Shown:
4.05
